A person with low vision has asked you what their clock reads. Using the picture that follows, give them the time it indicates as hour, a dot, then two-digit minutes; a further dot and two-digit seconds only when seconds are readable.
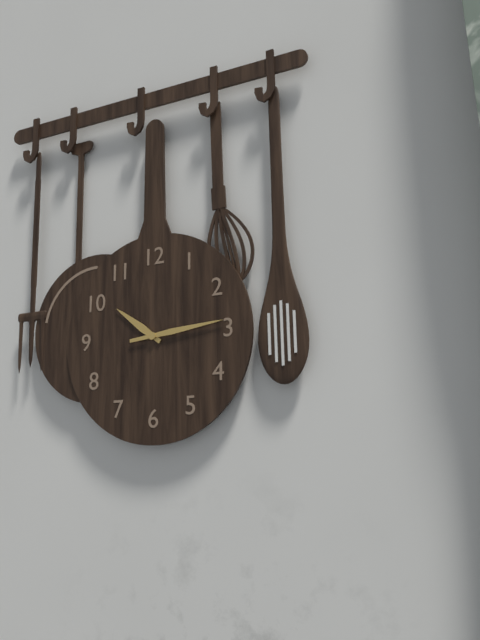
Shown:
10.14
